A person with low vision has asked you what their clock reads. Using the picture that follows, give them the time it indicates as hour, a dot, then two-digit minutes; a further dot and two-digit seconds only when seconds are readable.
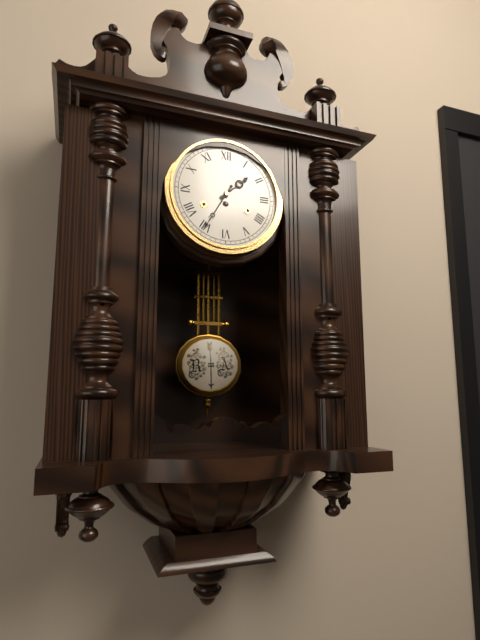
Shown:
1.35
